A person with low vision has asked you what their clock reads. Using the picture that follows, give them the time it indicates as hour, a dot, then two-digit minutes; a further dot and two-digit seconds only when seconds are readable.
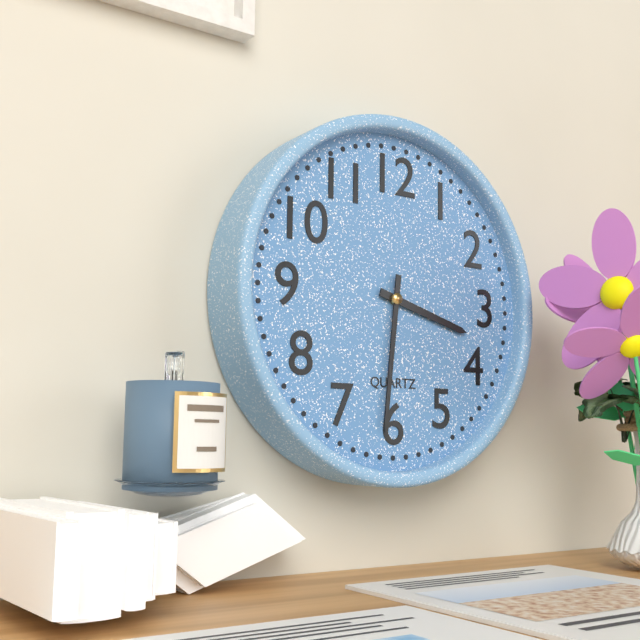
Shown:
3.31
